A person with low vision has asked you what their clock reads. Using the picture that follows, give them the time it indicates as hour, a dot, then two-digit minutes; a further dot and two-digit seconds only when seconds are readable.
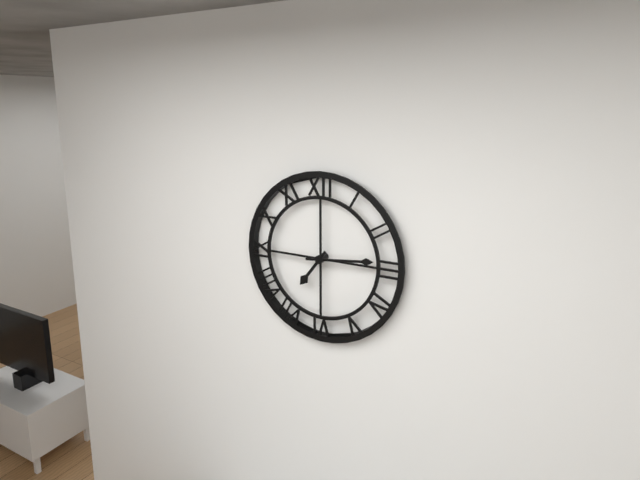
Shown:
7.14
